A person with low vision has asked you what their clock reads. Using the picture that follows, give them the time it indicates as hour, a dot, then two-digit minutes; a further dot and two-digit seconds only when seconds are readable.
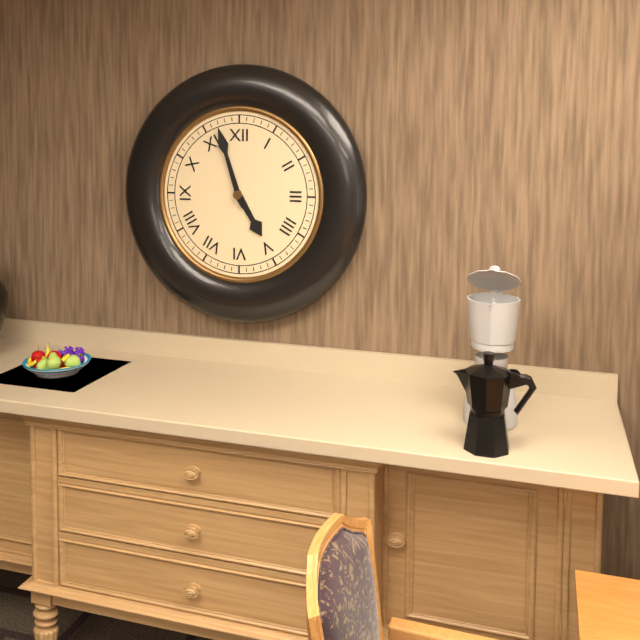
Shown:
4.57
